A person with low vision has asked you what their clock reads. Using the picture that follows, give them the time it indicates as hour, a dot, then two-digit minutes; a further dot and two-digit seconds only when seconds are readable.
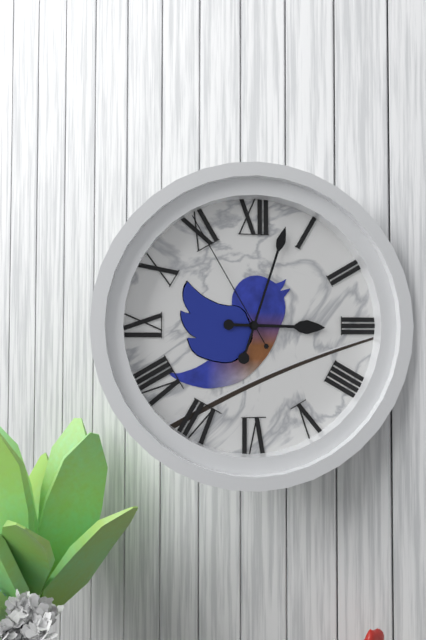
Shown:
3.03.55
